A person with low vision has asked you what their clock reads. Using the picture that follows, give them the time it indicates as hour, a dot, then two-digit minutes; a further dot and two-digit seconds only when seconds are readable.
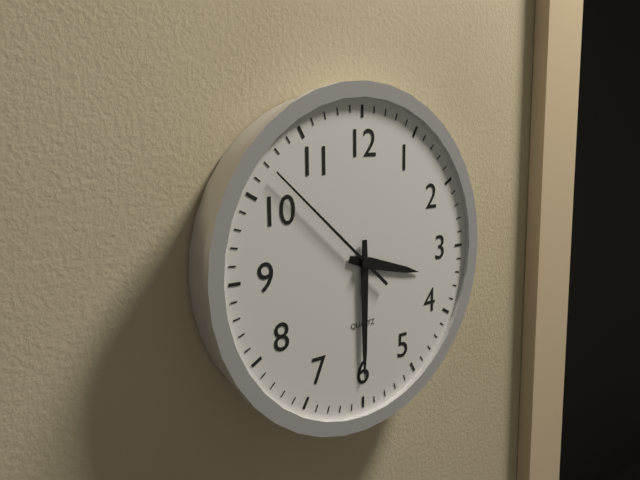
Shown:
3.30.52
